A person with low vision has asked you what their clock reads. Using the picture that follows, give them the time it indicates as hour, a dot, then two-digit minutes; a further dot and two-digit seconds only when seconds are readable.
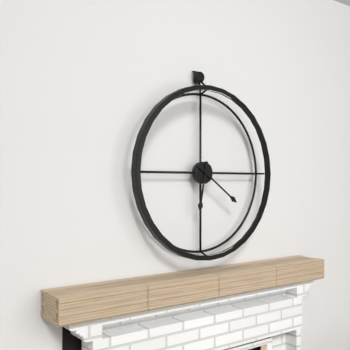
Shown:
6.21
